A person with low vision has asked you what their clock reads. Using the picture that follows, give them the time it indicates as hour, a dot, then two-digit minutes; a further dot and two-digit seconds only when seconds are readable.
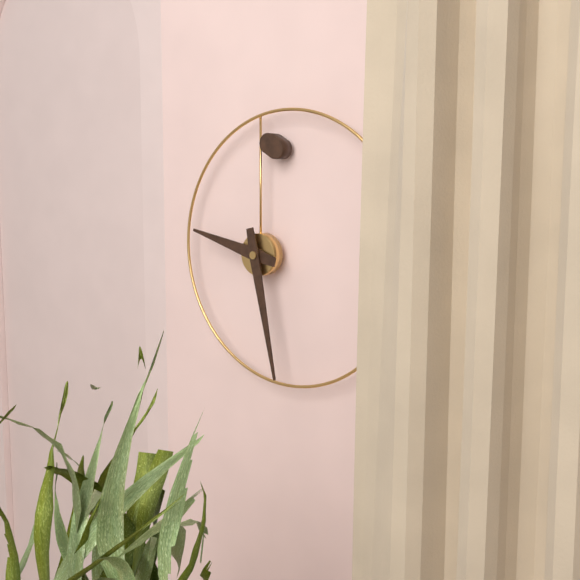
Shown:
9.28
